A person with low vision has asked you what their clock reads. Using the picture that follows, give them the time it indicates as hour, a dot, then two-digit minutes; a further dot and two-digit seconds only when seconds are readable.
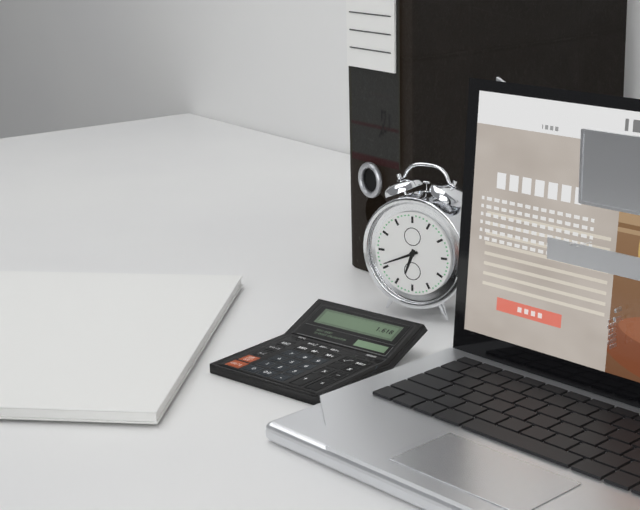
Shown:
6.41
